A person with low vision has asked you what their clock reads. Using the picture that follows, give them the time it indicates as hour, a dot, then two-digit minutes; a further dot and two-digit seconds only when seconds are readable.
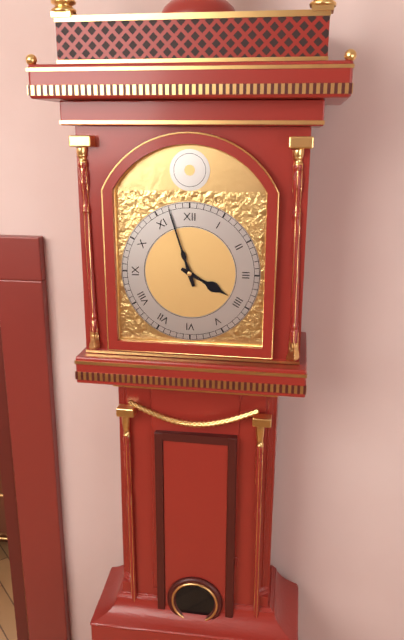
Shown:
3.57
